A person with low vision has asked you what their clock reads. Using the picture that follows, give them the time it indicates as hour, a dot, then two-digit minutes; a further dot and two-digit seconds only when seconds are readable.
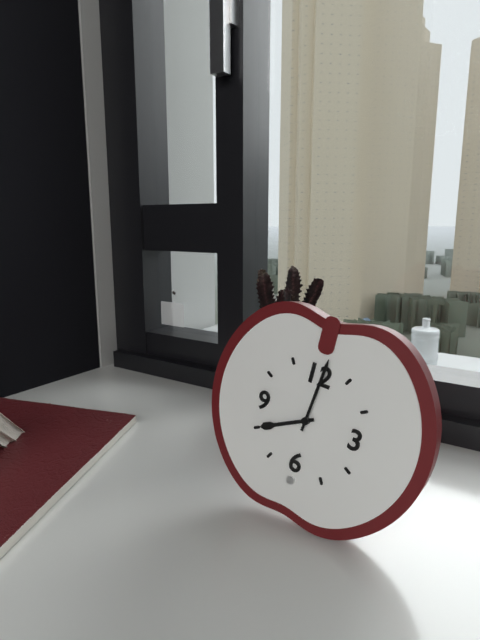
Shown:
8.01
